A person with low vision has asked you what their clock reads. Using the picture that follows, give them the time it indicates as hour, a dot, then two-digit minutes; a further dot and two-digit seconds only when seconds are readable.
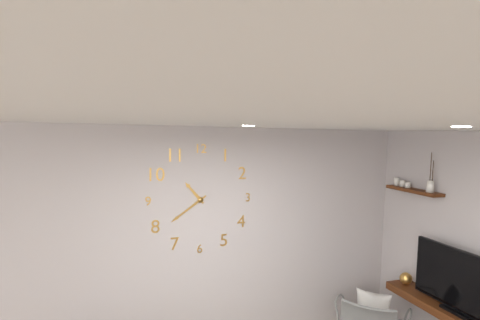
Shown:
10.39
